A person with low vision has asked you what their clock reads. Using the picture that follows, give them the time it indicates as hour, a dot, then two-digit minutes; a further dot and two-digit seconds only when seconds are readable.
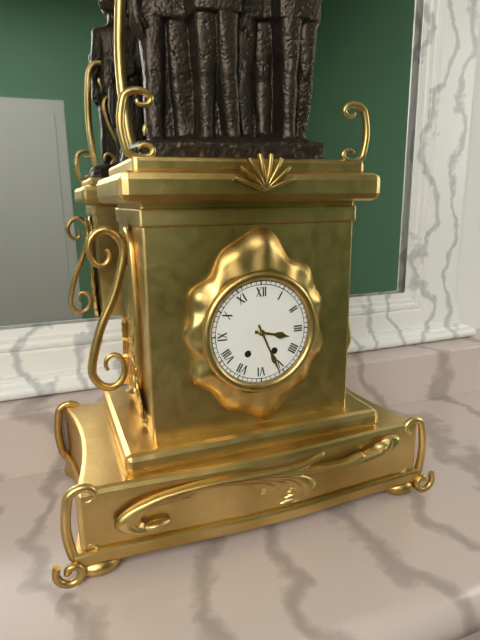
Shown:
3.26
